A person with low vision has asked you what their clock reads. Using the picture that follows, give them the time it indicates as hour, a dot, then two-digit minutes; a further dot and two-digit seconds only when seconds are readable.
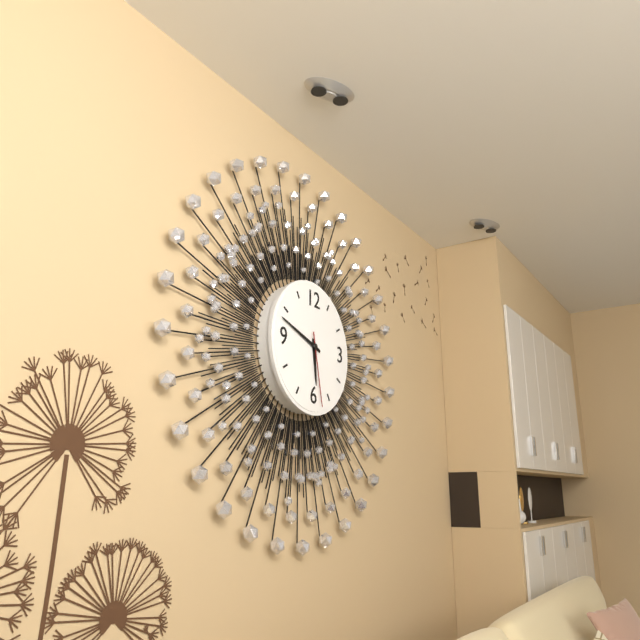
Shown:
5.48.28
